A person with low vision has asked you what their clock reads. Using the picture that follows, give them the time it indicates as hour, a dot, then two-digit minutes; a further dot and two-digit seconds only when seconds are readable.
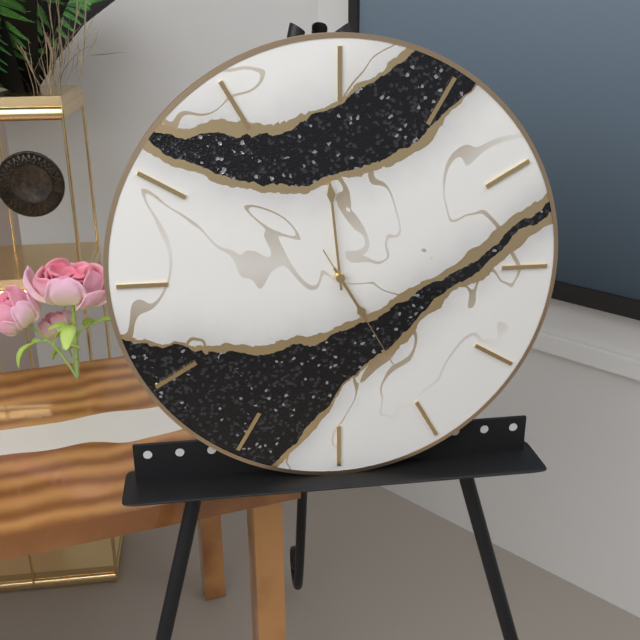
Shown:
4.59.25
